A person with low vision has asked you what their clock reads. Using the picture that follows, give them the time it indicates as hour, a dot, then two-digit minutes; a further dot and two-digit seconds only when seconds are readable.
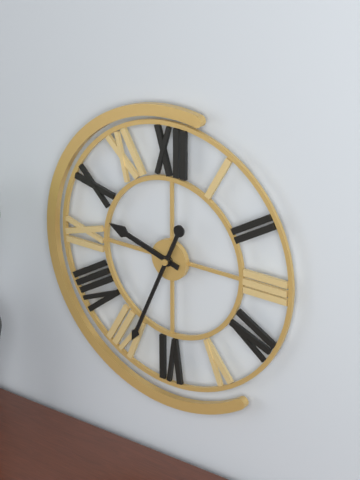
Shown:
9.34
